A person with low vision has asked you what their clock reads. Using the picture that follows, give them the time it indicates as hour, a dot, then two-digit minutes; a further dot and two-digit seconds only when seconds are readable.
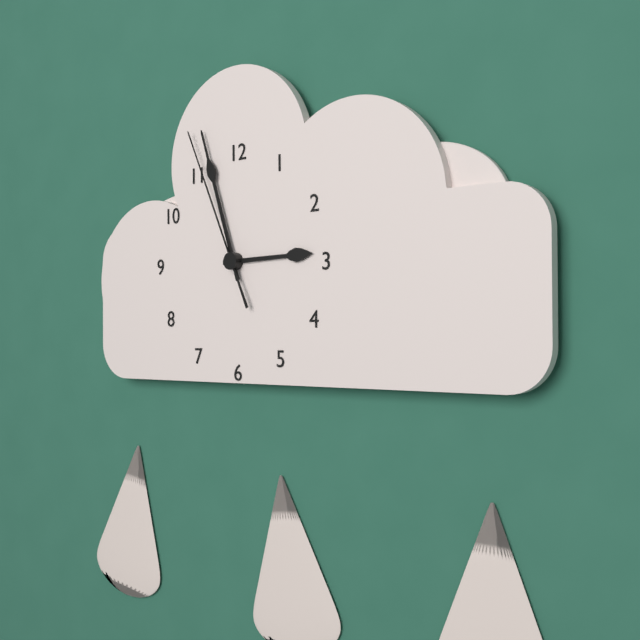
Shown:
2.57.56
